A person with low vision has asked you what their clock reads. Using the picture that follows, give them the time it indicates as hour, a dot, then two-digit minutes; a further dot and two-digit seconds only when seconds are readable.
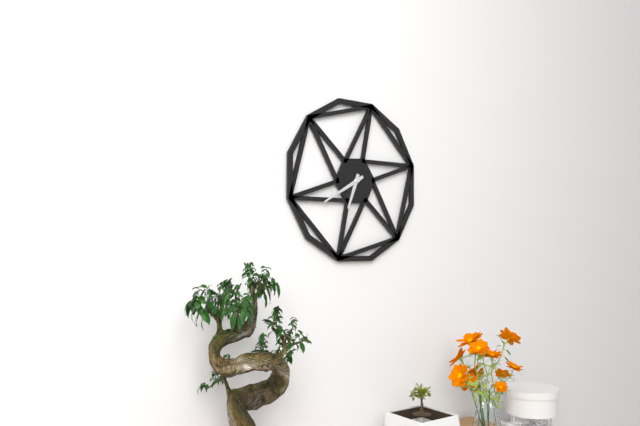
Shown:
6.40
